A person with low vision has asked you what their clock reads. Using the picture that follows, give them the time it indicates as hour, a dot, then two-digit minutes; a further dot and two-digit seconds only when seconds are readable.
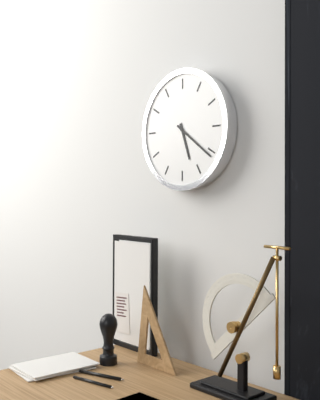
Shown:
5.21
